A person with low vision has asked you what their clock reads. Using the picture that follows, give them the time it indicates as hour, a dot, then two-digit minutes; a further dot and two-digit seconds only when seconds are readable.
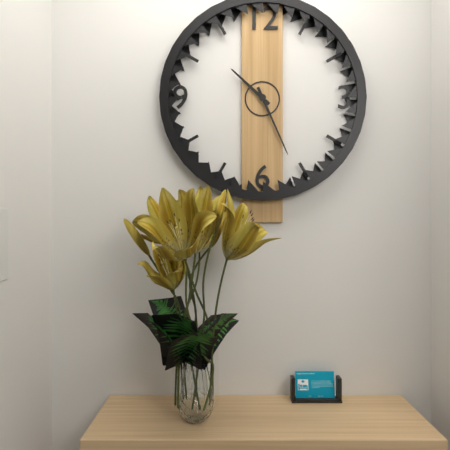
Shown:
10.26
